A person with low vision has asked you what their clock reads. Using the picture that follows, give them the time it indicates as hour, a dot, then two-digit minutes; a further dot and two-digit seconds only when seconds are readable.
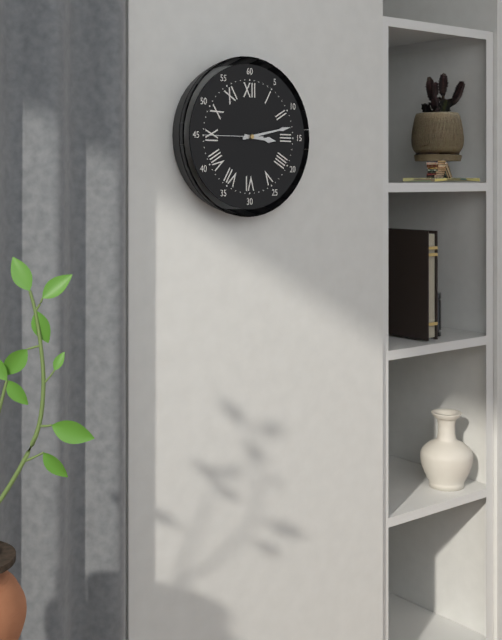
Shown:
3.13.45
